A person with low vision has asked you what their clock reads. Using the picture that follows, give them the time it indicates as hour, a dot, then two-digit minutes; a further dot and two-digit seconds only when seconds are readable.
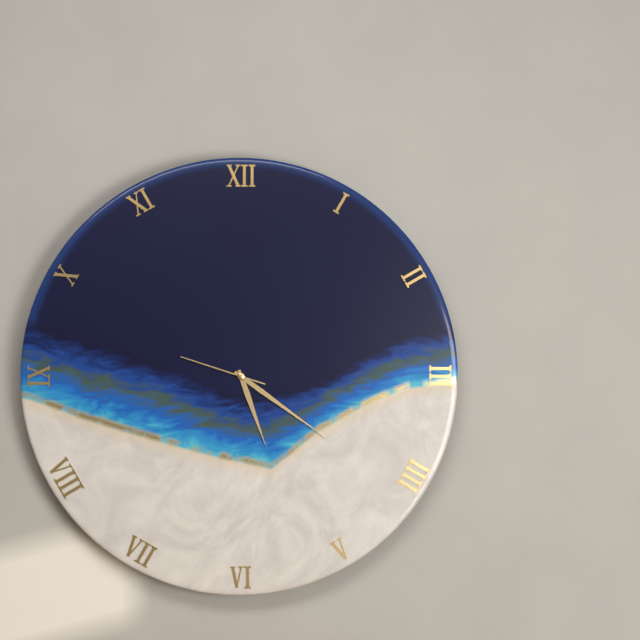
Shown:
5.21.48
